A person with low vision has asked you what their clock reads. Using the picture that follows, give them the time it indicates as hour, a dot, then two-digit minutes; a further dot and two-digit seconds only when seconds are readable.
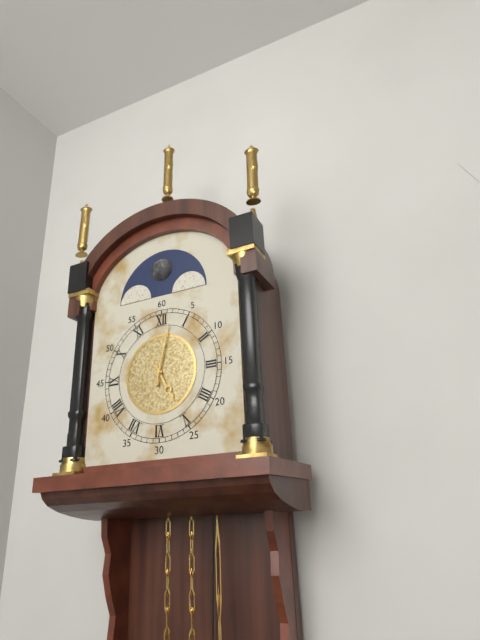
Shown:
5.02
